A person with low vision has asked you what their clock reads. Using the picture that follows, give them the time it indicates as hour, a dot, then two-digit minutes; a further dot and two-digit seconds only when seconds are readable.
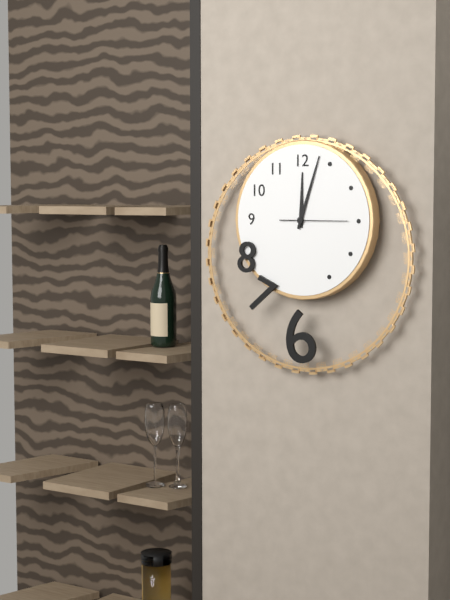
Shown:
12.03.15
